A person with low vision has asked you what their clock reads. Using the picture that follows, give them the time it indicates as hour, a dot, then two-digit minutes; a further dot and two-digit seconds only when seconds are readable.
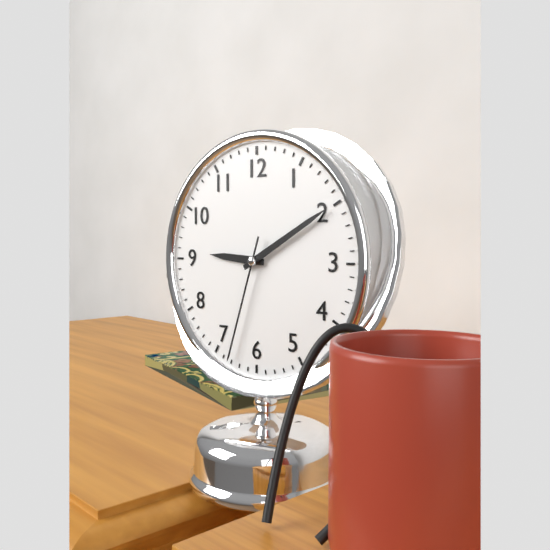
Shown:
9.10.33
